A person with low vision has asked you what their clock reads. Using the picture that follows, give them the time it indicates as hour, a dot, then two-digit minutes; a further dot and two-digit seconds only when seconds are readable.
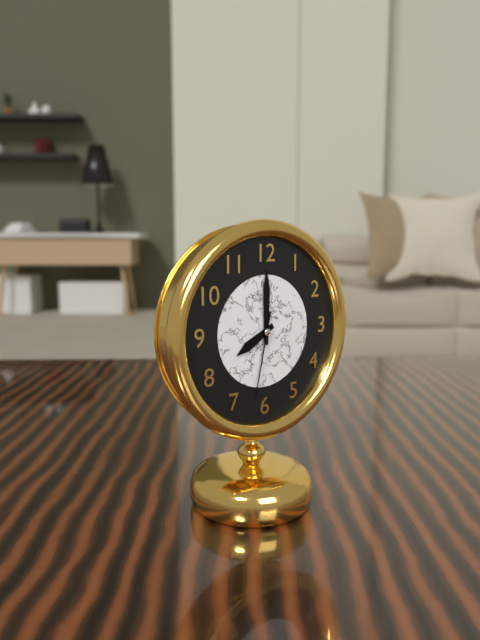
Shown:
8.00.32
